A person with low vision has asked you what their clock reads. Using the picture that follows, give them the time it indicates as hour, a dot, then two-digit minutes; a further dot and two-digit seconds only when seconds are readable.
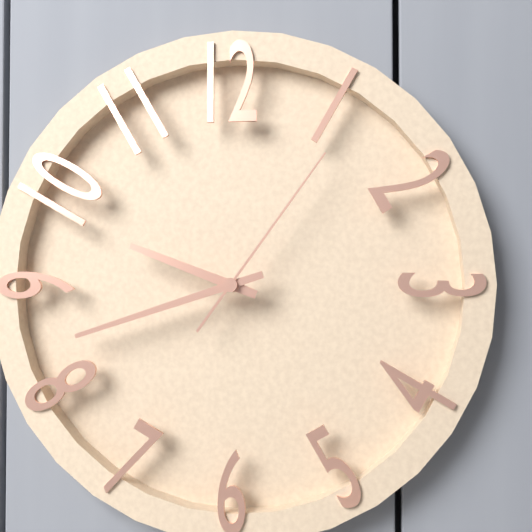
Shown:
9.42.06
